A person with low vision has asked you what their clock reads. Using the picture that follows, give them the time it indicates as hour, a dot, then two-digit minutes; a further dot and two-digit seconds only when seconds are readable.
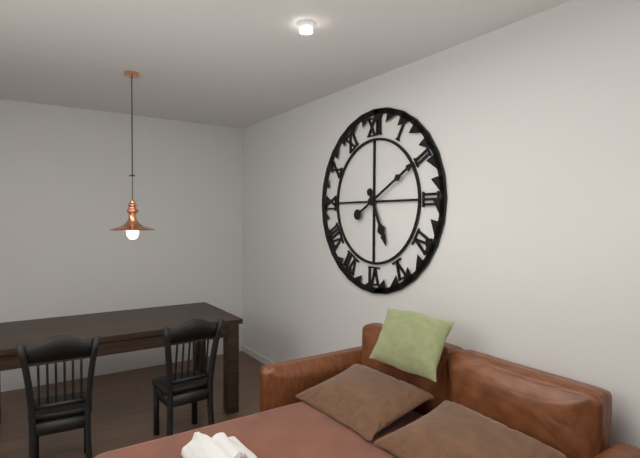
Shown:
5.10
